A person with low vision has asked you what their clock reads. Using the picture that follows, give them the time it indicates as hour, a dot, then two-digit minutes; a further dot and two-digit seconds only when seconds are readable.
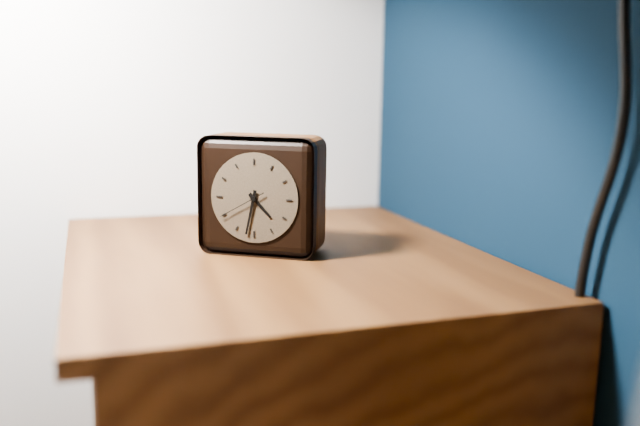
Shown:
4.32
